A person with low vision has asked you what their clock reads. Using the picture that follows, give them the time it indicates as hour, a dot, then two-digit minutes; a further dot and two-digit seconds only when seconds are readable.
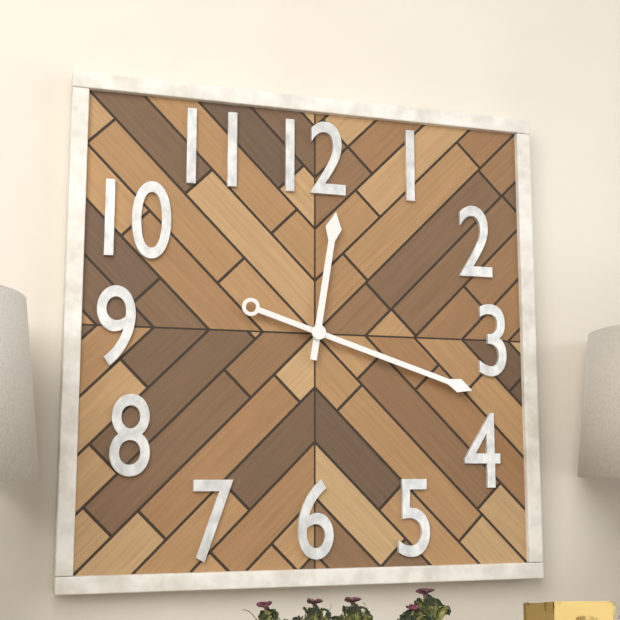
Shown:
12.18
